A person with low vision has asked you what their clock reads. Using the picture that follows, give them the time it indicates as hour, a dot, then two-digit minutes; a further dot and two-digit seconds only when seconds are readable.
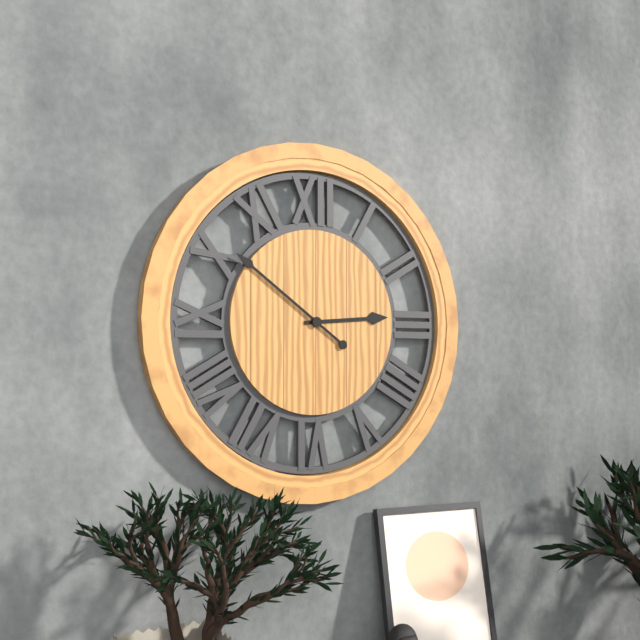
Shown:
2.51
